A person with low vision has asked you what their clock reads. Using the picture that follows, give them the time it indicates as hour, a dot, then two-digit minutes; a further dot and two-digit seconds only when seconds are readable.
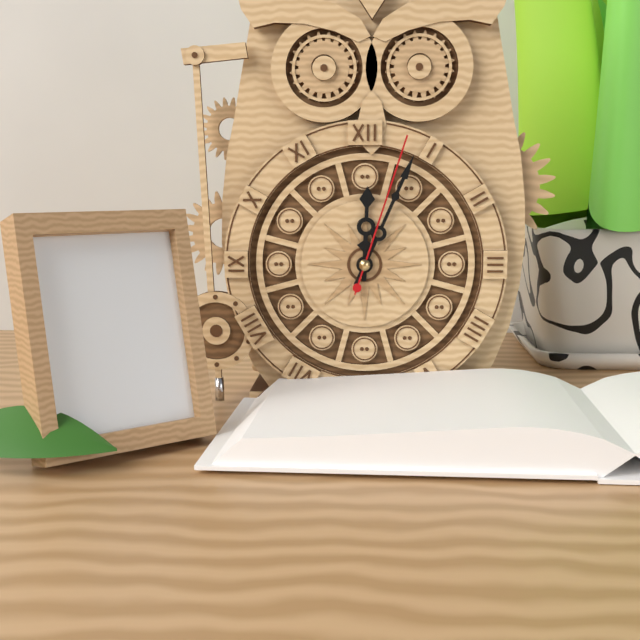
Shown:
12.04.03
